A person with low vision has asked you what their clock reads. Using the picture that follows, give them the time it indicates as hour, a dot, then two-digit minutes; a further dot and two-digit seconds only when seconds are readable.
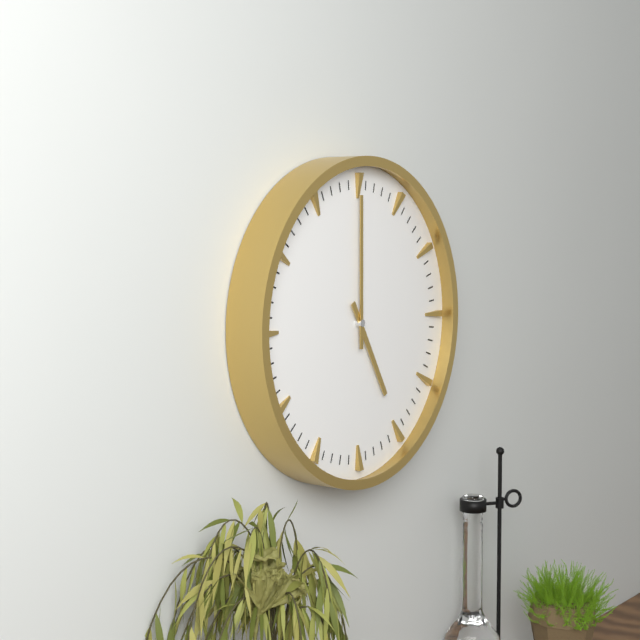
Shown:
5.00
